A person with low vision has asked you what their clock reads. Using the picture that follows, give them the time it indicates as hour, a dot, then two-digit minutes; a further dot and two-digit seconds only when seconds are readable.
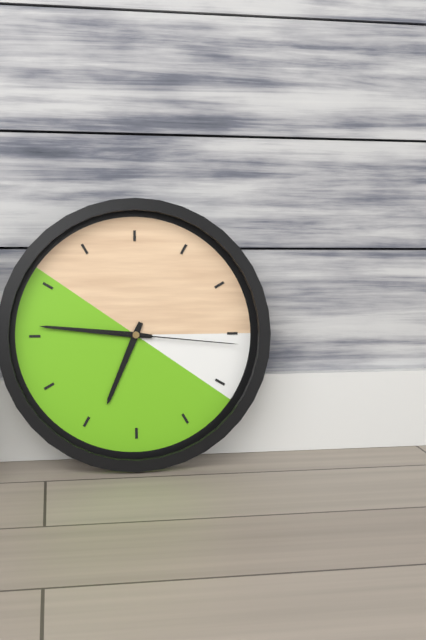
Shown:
6.46.16
